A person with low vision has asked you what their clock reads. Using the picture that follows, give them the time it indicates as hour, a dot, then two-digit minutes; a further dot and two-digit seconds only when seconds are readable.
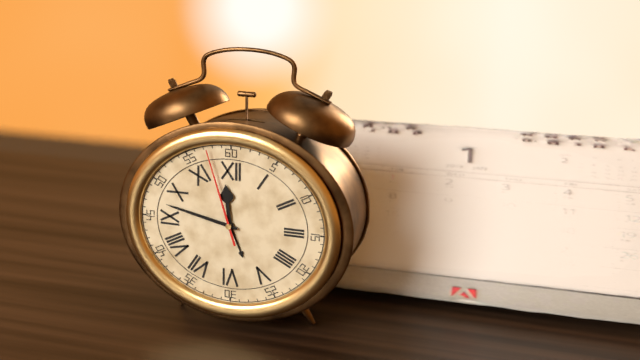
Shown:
11.47.57
